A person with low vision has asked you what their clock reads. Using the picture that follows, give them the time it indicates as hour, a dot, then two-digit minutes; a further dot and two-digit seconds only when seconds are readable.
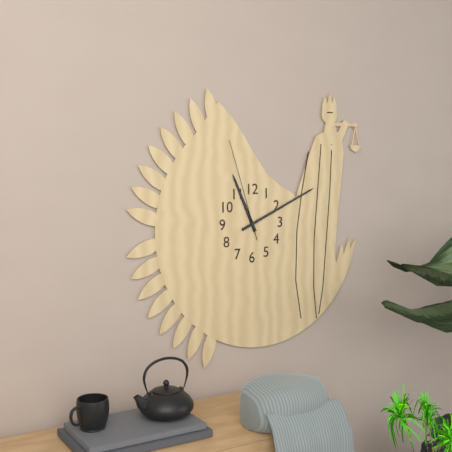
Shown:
11.11.57
